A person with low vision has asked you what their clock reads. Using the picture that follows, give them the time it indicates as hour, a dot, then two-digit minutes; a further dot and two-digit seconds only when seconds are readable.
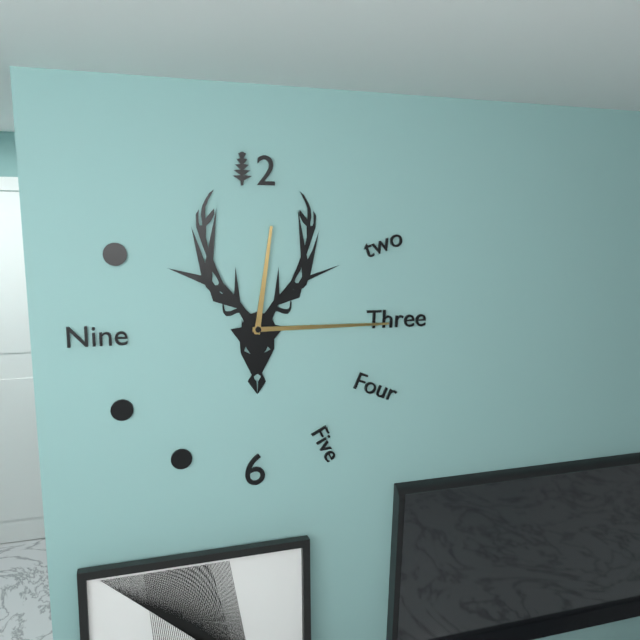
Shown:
12.15
